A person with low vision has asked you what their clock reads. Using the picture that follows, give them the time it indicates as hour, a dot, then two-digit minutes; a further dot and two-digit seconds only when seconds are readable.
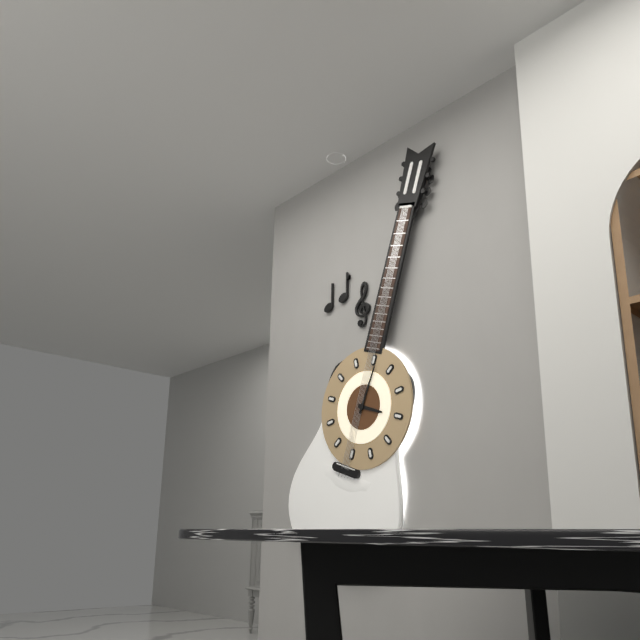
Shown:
3.01
